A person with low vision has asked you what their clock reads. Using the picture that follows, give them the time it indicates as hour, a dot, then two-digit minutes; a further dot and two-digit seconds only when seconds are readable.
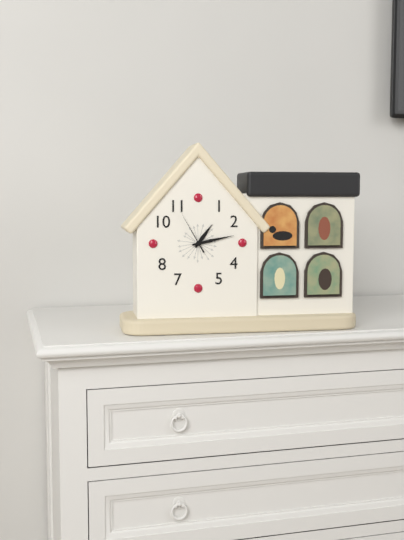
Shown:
1.13
